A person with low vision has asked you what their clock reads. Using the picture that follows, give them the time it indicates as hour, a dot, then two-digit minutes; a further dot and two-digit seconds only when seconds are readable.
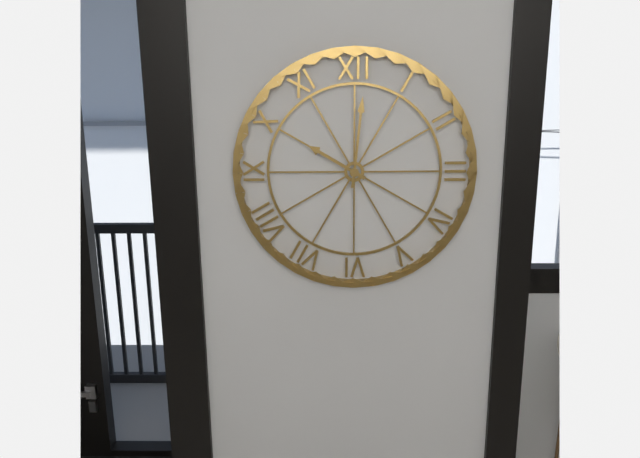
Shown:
10.01
